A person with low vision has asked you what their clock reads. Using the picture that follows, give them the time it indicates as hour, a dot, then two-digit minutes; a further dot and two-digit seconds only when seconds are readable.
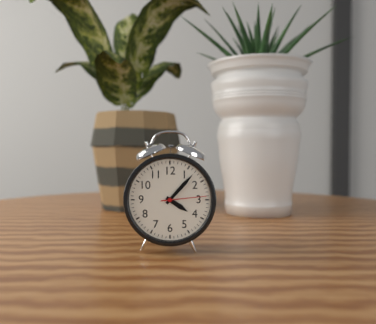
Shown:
4.07
